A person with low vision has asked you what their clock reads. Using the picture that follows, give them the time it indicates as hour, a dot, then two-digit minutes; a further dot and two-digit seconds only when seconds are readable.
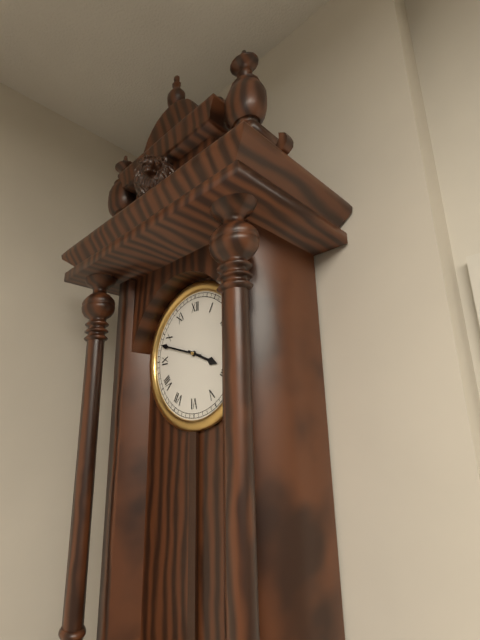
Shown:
3.48
